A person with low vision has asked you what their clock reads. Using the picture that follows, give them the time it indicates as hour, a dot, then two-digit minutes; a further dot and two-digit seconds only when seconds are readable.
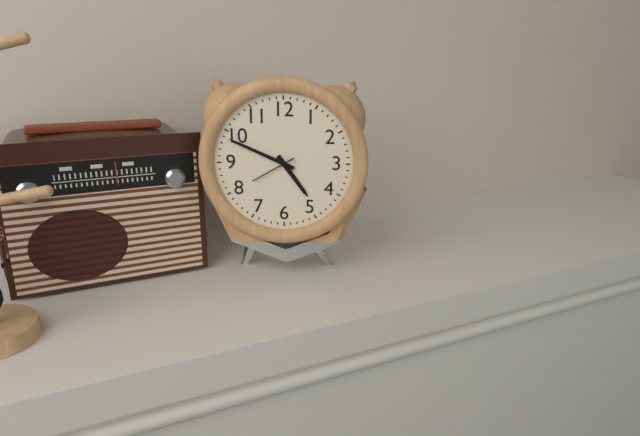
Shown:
4.49
